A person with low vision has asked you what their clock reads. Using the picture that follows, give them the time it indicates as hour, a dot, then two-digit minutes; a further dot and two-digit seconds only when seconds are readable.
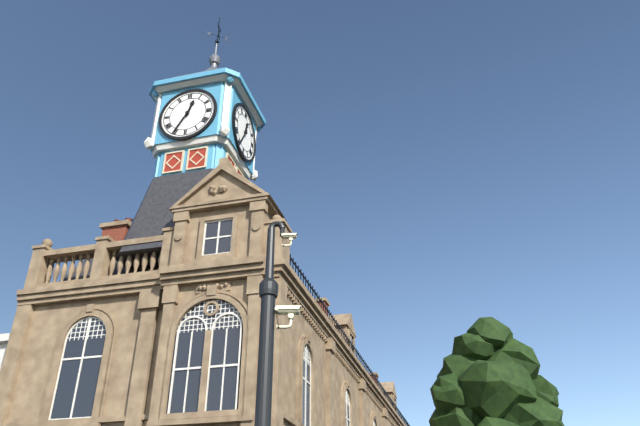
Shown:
12.35
